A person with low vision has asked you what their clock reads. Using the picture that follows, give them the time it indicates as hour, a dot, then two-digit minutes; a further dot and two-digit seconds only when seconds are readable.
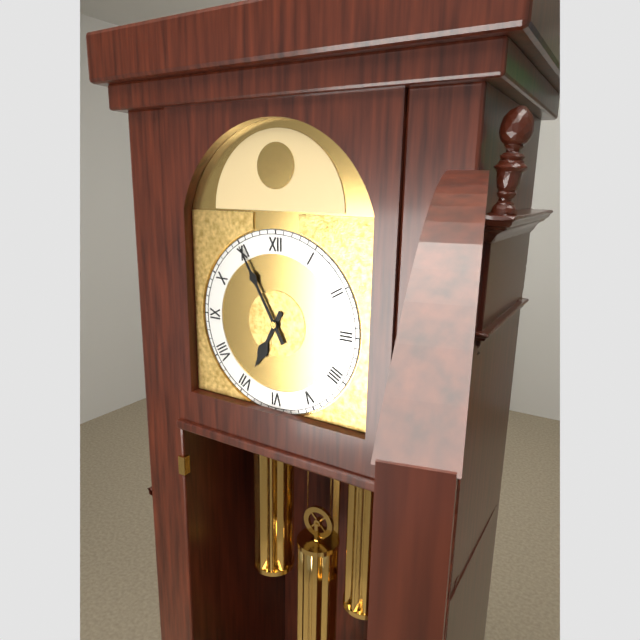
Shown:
6.55
